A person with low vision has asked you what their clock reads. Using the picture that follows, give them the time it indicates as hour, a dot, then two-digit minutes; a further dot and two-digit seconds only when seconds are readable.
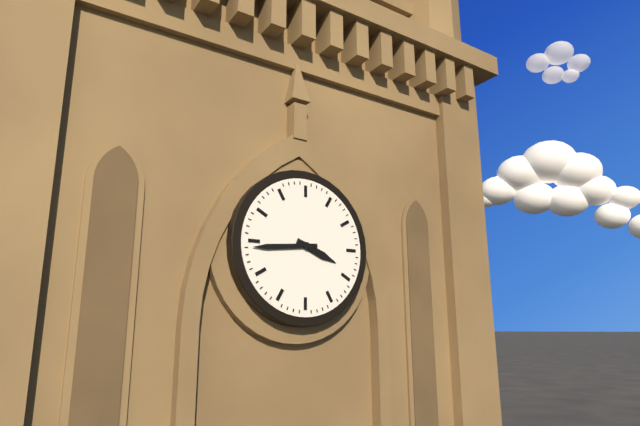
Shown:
3.44
